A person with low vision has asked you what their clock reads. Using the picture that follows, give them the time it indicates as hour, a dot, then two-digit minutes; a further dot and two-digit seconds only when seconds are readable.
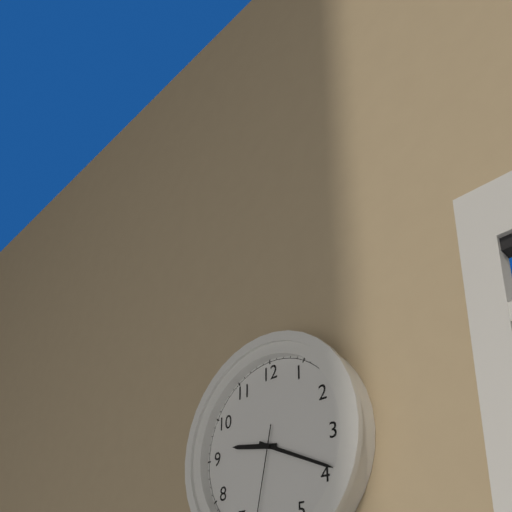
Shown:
9.19
